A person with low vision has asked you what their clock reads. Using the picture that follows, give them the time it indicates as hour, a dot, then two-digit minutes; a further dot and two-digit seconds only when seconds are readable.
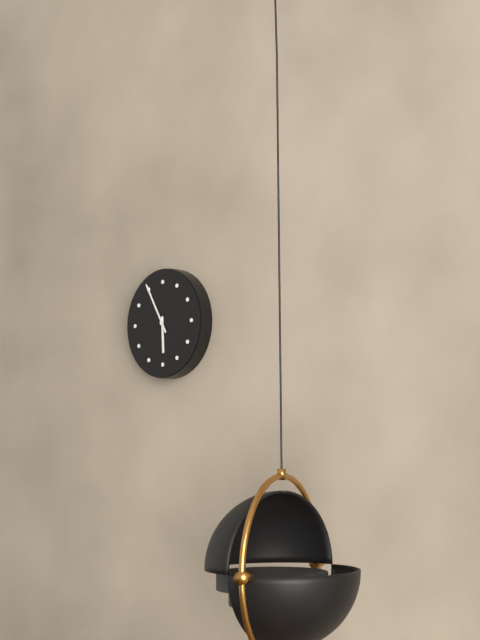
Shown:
5.55
